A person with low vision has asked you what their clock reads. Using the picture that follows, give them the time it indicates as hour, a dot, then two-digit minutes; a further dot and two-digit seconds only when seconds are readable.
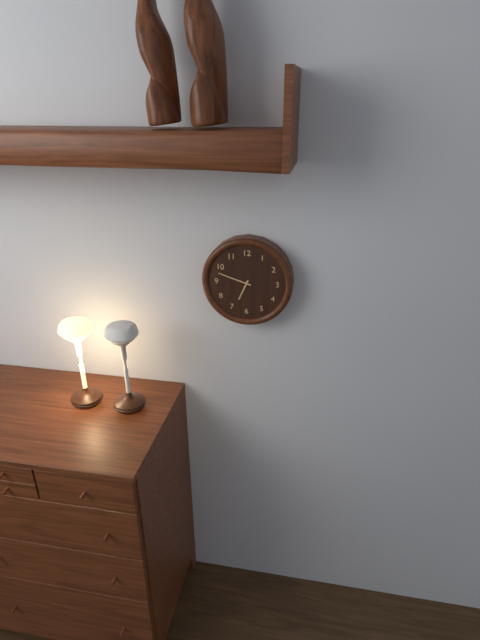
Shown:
6.48
